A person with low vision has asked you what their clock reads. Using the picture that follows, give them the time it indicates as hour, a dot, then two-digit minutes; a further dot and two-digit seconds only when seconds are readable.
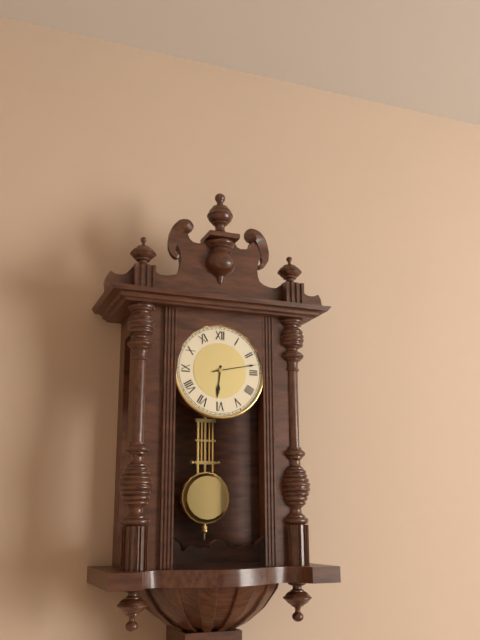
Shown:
6.13
